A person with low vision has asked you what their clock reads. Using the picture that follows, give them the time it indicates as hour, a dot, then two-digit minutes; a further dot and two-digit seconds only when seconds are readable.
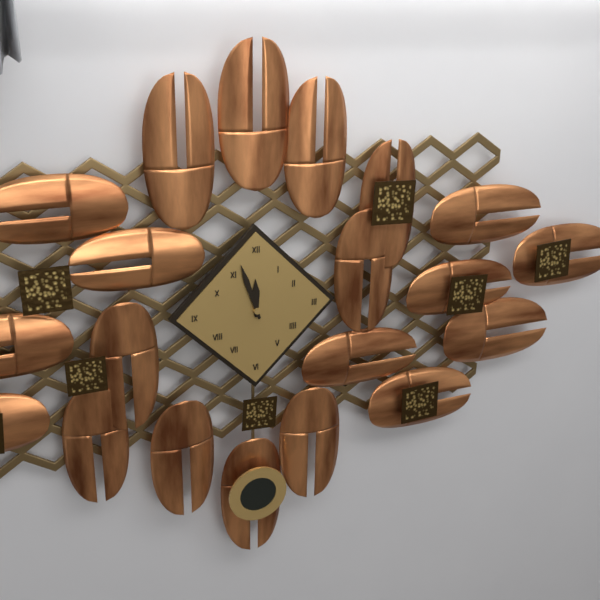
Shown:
11.57
